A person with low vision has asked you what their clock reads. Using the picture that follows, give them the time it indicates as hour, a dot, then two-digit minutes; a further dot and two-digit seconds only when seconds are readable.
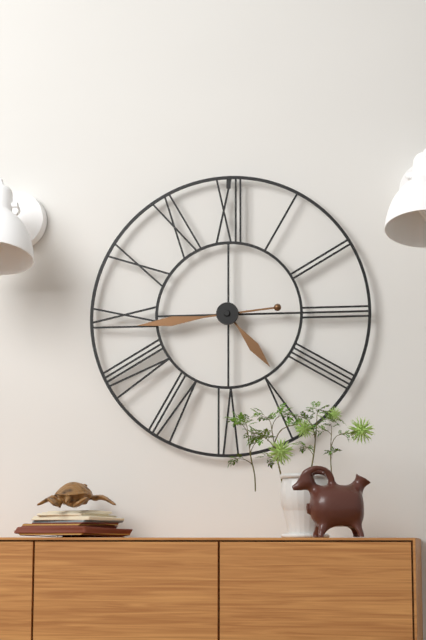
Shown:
4.44
